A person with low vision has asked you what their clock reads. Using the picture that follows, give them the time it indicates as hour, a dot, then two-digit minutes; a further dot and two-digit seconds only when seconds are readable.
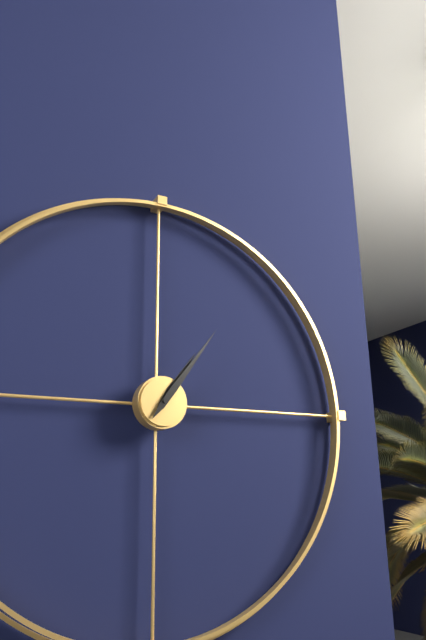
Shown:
1.06
